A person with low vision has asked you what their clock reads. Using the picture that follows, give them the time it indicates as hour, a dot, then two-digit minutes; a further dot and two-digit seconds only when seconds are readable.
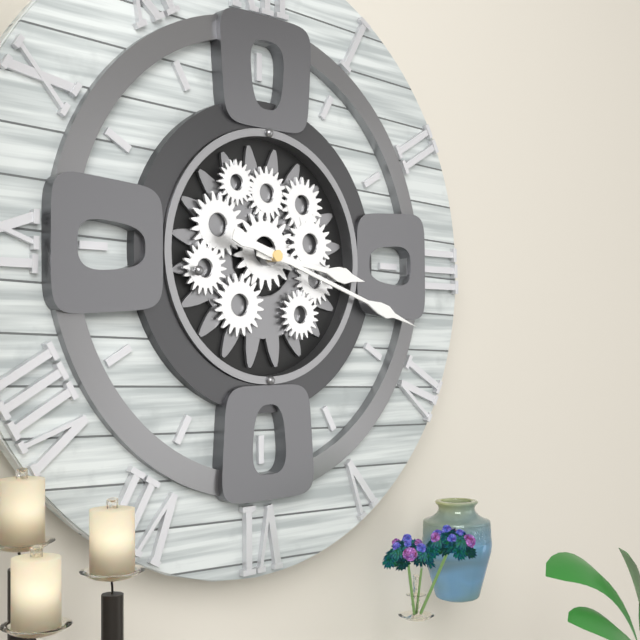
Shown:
3.18
